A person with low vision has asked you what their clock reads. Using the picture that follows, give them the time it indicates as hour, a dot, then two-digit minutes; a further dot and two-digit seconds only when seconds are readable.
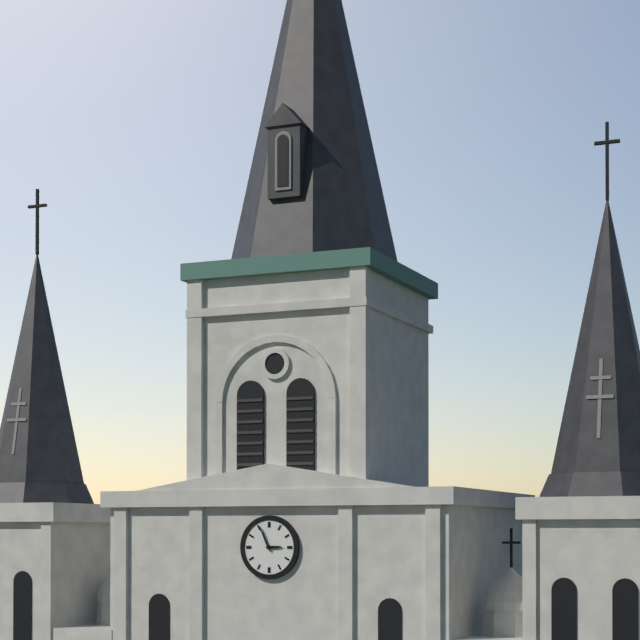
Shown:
2.56
